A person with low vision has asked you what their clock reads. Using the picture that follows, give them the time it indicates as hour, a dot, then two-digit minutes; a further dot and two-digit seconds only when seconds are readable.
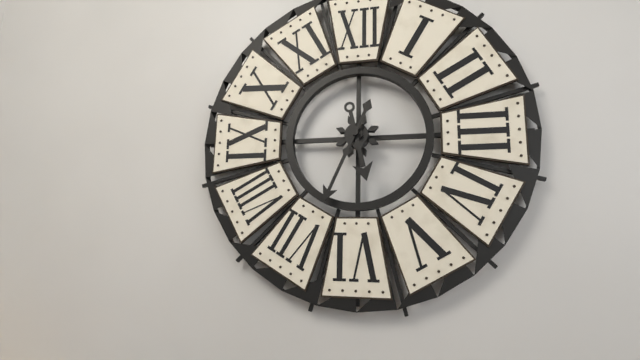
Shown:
5.34
